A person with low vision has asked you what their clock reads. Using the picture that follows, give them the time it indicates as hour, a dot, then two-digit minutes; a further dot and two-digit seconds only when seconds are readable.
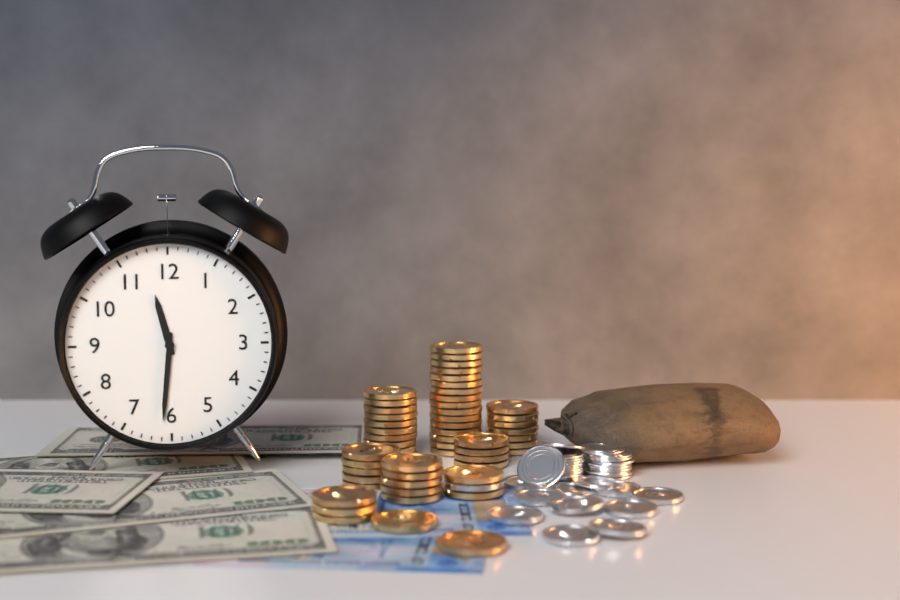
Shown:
11.31
